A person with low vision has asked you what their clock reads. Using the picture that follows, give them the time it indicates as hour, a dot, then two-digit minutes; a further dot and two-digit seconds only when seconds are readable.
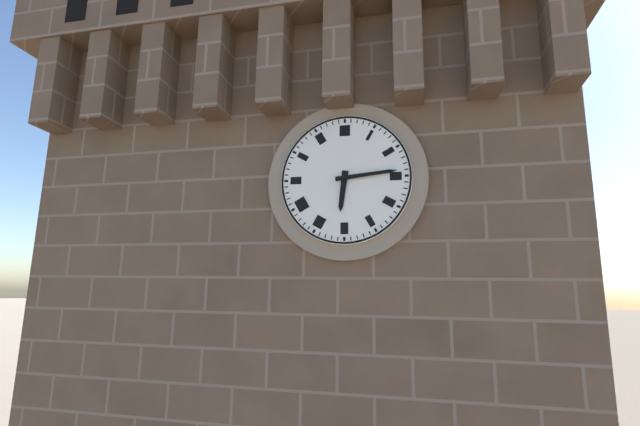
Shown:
6.14
